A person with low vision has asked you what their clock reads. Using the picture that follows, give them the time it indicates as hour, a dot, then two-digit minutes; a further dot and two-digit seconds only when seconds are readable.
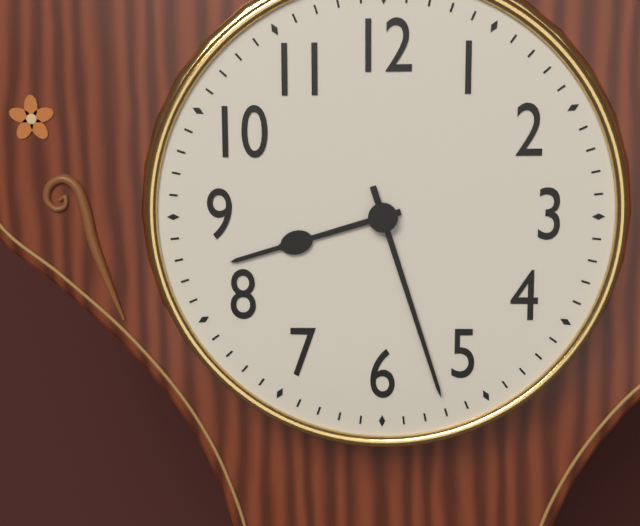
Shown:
8.27
